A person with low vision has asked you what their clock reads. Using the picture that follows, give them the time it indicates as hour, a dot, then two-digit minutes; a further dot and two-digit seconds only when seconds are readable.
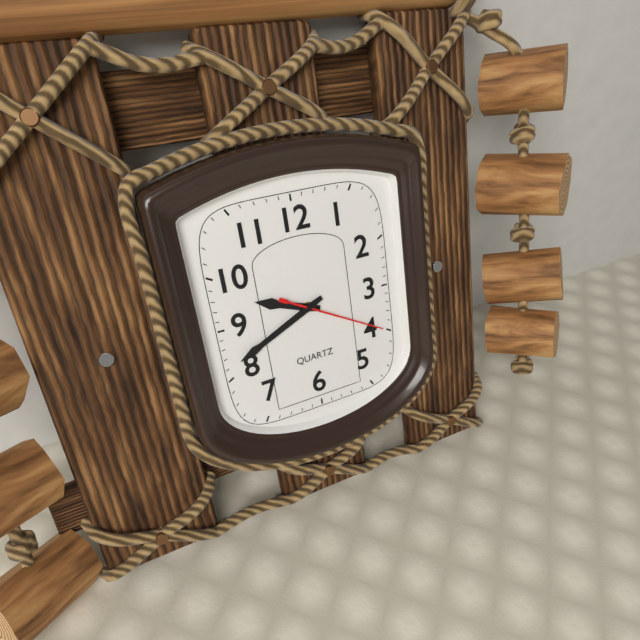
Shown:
9.41.20
